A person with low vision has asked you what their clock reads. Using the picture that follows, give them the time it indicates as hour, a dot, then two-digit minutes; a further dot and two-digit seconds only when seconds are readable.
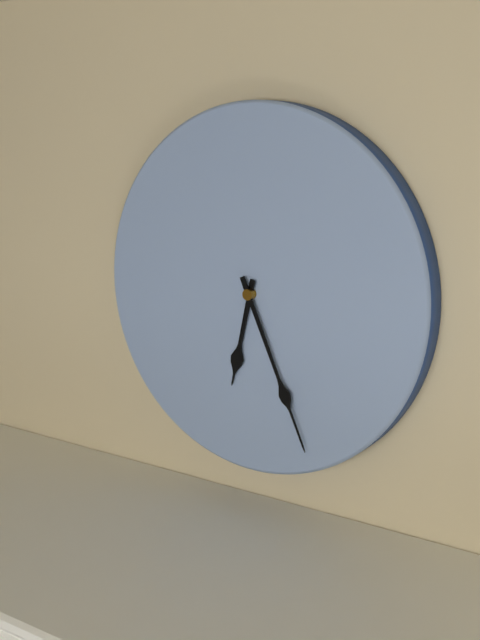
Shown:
6.26
